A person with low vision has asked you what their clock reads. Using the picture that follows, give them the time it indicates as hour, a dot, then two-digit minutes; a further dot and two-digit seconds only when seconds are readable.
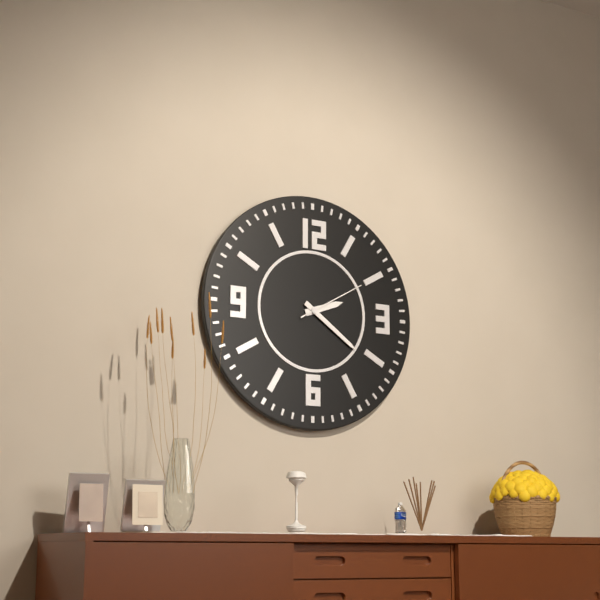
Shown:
2.21.10
